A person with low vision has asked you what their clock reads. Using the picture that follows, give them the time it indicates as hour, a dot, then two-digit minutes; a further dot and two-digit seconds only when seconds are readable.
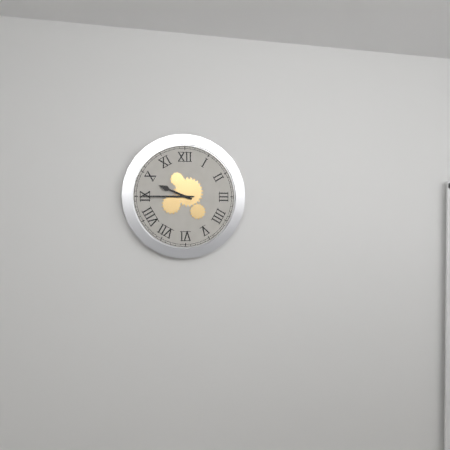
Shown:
9.45
